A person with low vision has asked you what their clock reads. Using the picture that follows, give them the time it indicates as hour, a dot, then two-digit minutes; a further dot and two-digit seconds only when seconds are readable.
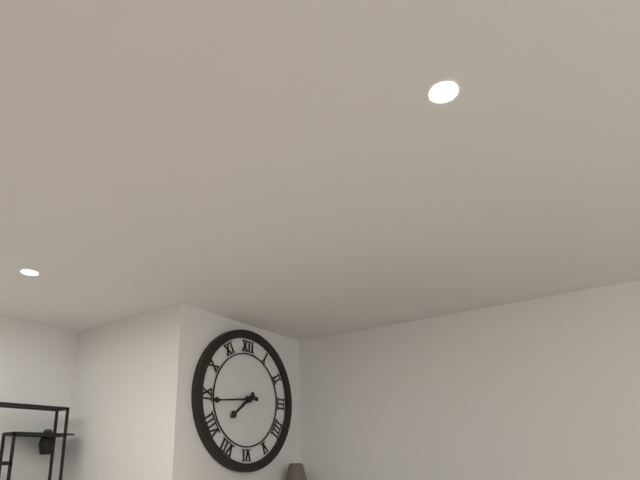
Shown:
7.44
